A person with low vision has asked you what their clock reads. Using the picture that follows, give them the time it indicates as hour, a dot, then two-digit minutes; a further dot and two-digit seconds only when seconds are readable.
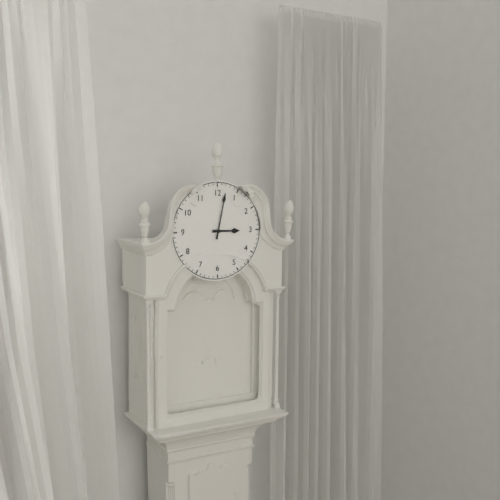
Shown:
3.02
